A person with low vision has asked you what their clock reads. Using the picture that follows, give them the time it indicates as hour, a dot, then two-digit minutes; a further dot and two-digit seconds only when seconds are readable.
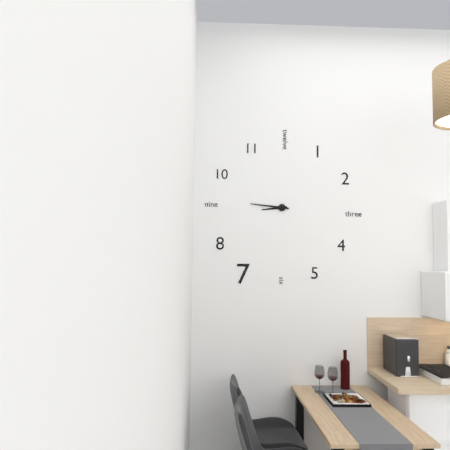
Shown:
8.46
